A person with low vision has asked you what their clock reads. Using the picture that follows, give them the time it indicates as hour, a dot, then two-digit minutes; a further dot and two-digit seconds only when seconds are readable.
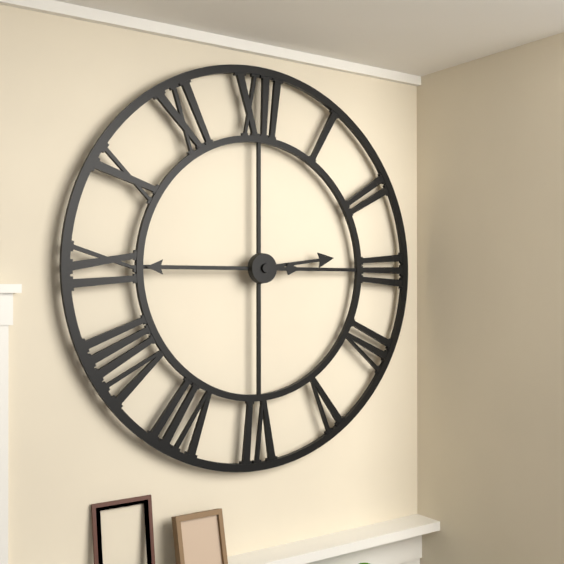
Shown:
2.45
